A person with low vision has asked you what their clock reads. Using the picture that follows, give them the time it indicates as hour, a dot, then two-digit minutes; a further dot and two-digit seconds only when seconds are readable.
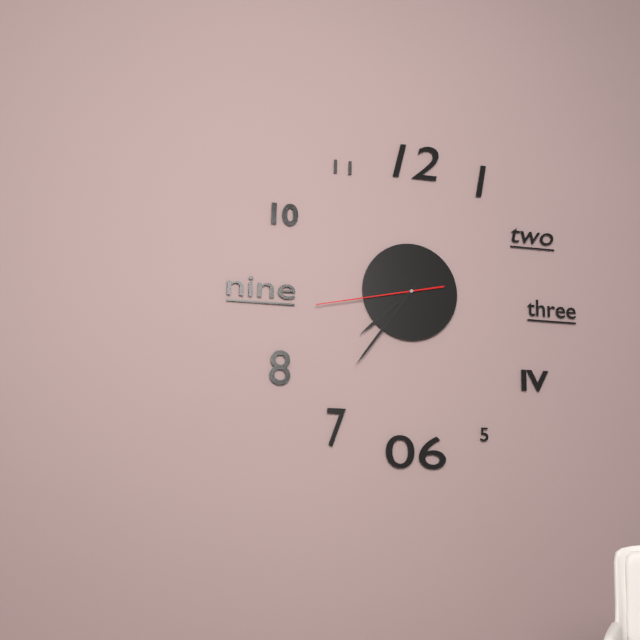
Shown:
7.36.43
